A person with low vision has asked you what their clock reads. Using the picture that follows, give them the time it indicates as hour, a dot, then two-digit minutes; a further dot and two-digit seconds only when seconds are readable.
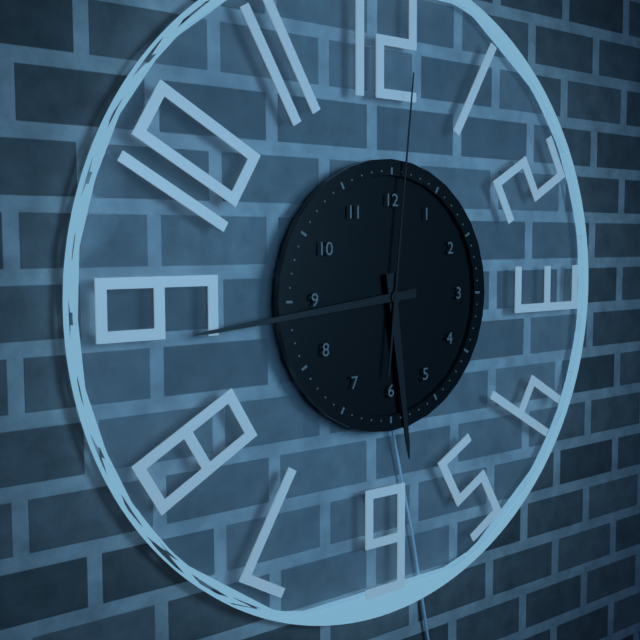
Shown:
5.44.01
